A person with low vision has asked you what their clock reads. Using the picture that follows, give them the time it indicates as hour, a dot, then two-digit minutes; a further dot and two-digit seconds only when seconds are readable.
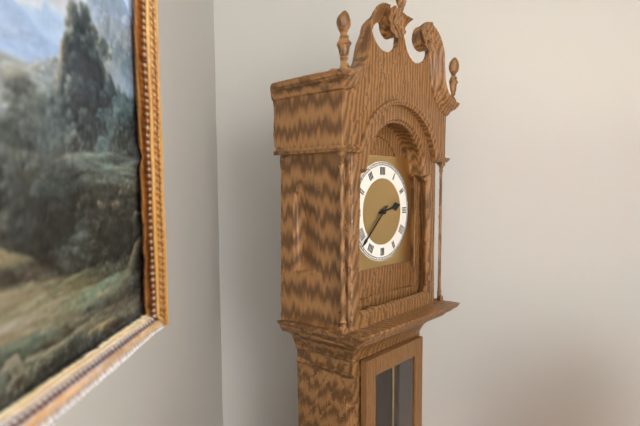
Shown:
2.38
